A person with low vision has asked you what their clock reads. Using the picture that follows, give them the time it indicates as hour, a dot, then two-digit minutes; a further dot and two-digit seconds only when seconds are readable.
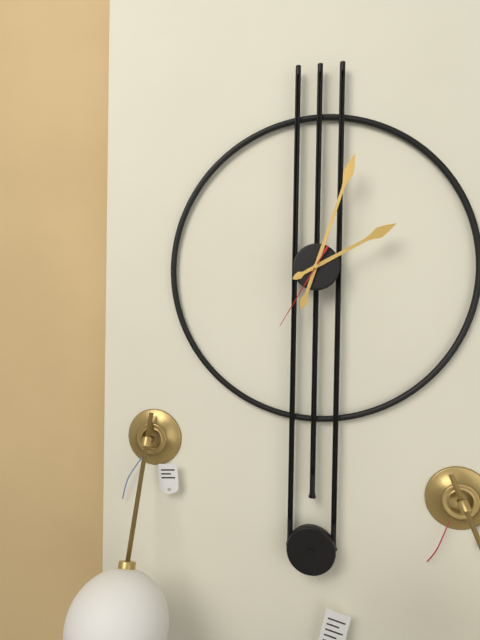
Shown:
2.03.35
